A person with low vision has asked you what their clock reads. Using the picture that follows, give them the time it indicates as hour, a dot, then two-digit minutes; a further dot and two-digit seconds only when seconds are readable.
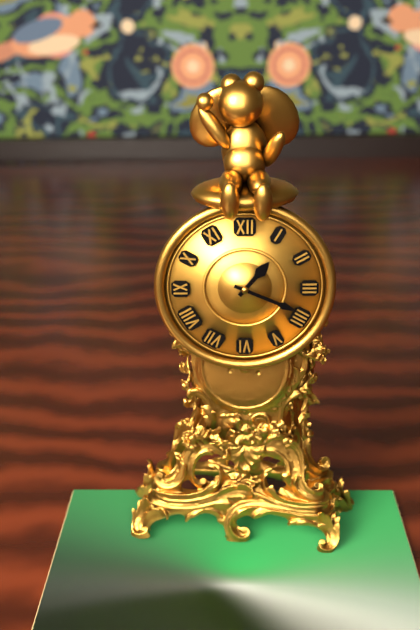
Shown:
1.19
